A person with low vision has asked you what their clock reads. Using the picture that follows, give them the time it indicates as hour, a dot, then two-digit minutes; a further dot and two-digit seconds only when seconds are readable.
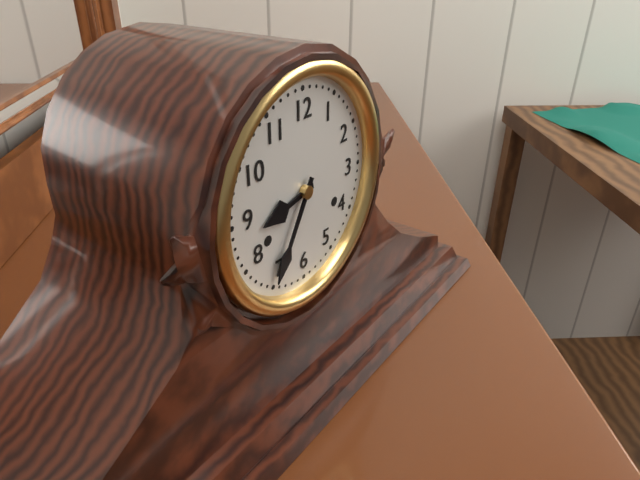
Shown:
8.35
